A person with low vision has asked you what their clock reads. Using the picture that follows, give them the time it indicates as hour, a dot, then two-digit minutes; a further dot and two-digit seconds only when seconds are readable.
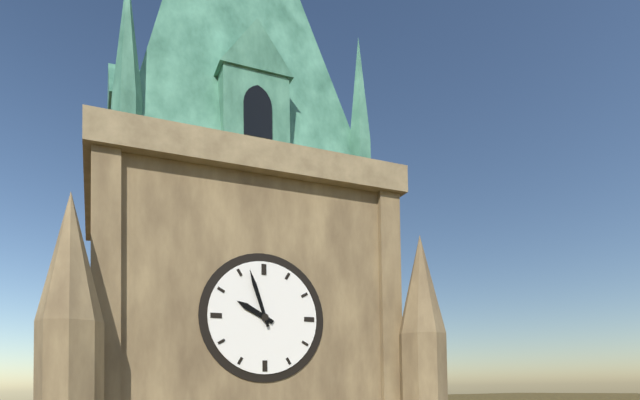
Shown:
9.57
